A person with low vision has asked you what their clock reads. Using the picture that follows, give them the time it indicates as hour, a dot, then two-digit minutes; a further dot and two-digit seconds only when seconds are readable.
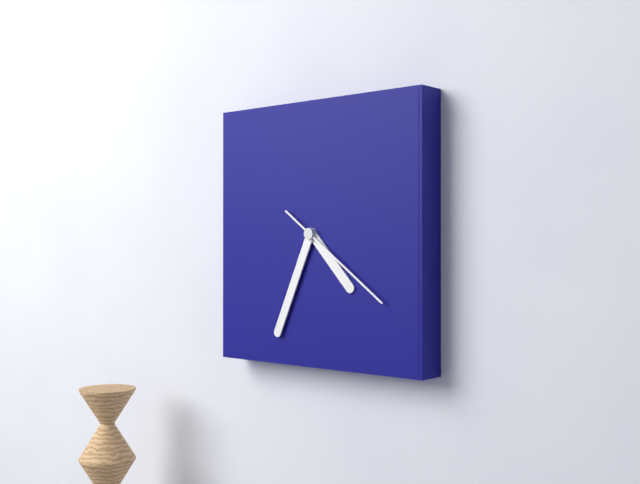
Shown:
4.34.21
